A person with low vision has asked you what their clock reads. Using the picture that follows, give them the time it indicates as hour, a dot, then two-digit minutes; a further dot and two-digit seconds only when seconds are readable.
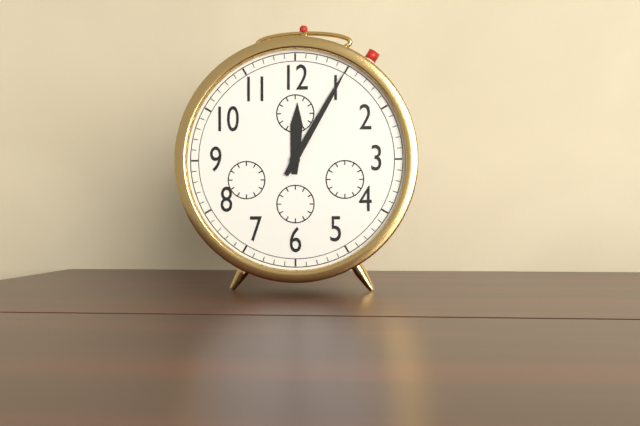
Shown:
12.05
